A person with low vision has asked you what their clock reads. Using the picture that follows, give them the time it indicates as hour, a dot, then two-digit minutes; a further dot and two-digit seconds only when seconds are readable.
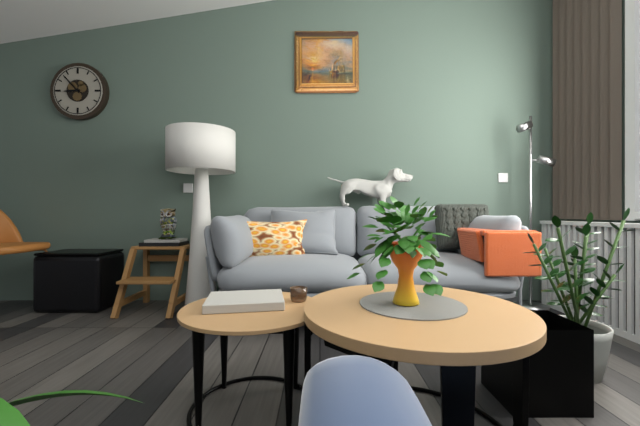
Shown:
8.53
